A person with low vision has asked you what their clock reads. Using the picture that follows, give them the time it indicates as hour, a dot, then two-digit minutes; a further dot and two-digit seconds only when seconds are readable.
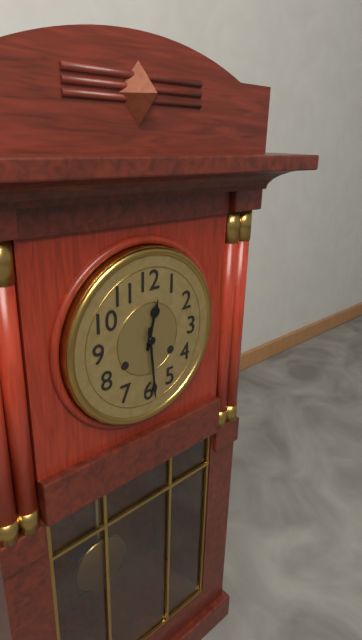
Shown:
12.29
